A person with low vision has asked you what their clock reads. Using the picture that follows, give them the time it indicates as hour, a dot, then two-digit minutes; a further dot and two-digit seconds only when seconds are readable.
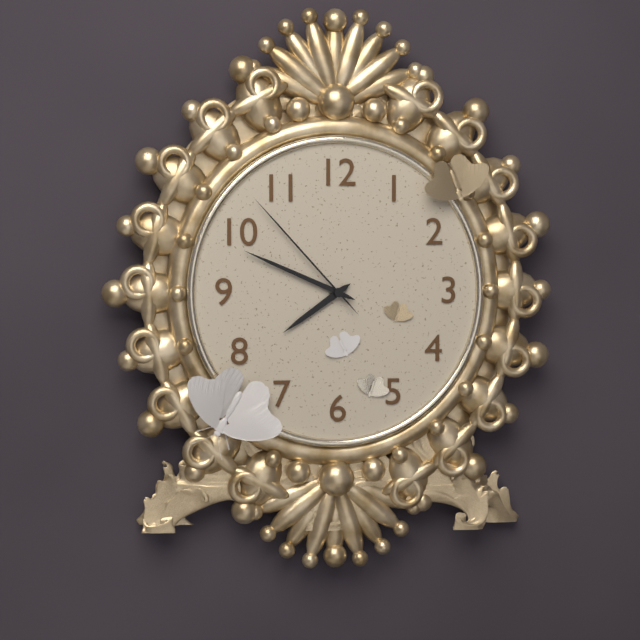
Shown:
7.49.53
